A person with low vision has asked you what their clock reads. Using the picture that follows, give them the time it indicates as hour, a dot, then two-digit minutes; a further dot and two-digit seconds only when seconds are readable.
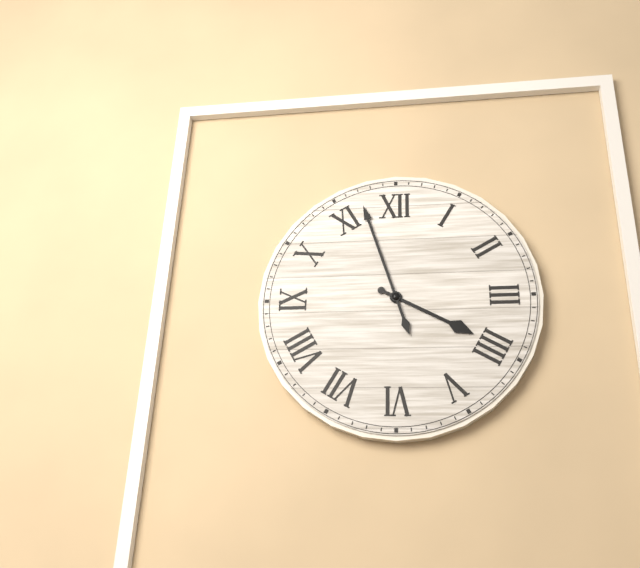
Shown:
3.57
